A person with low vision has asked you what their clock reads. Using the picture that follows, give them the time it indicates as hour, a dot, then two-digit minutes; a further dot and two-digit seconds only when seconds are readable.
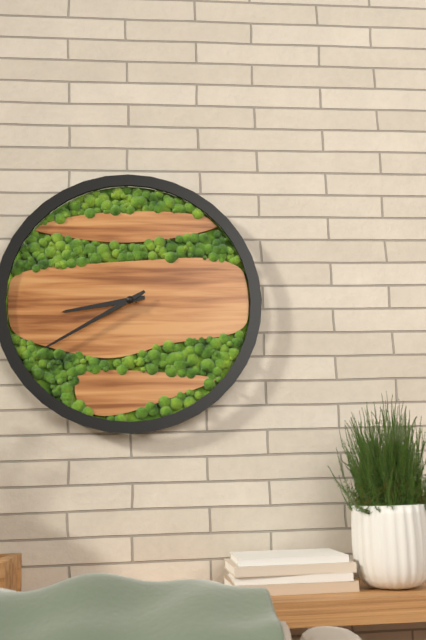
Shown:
8.40
